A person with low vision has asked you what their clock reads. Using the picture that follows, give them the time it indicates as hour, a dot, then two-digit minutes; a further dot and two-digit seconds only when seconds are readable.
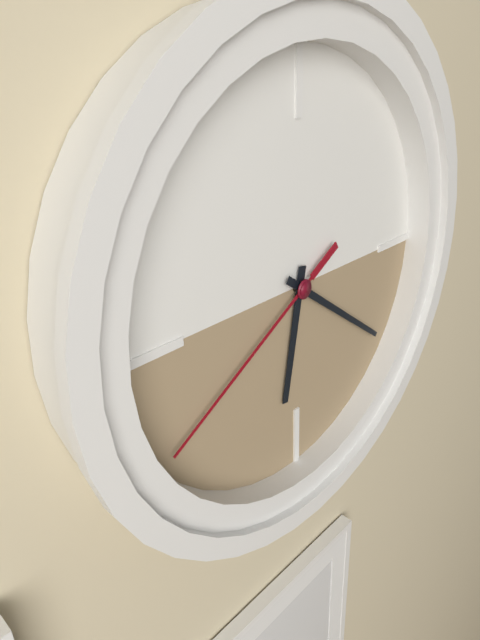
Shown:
6.21.40
